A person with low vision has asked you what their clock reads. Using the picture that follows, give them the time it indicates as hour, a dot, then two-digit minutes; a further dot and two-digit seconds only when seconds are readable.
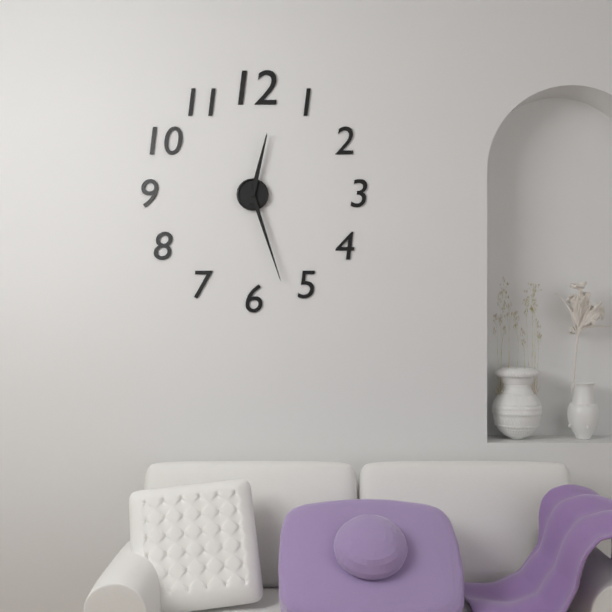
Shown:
12.27
